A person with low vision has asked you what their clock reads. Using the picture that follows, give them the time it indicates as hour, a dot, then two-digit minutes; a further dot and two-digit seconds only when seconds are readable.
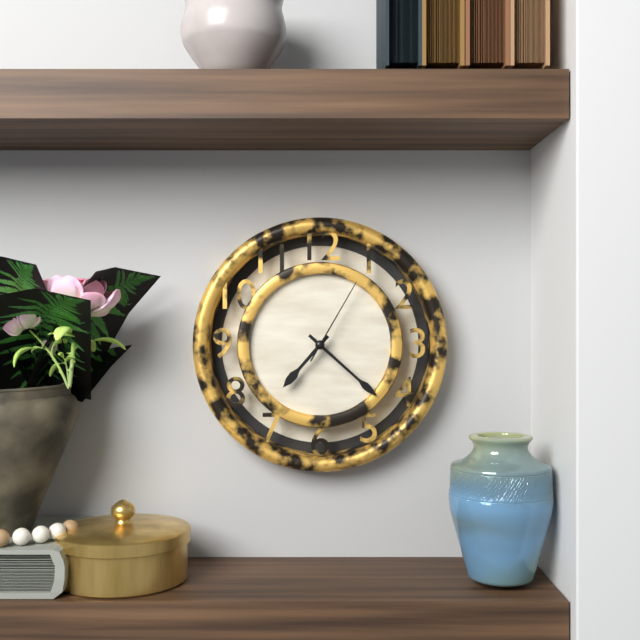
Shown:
7.22.05
